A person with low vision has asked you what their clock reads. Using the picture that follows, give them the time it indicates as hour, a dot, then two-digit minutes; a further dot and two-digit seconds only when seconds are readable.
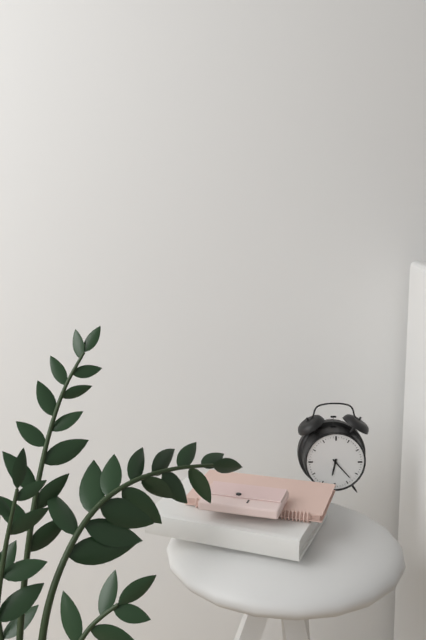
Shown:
6.23
